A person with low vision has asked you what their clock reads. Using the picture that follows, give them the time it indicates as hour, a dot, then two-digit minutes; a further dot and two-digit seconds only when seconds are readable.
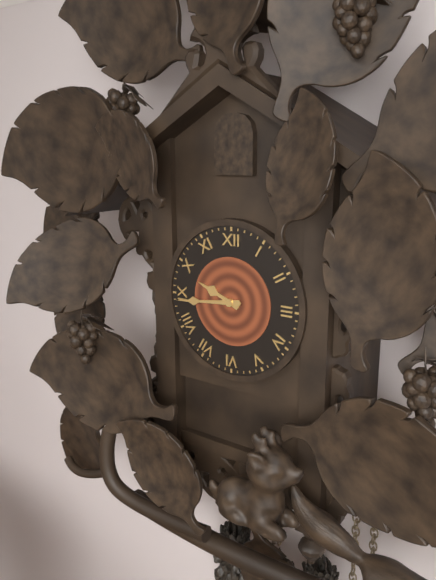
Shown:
9.44
